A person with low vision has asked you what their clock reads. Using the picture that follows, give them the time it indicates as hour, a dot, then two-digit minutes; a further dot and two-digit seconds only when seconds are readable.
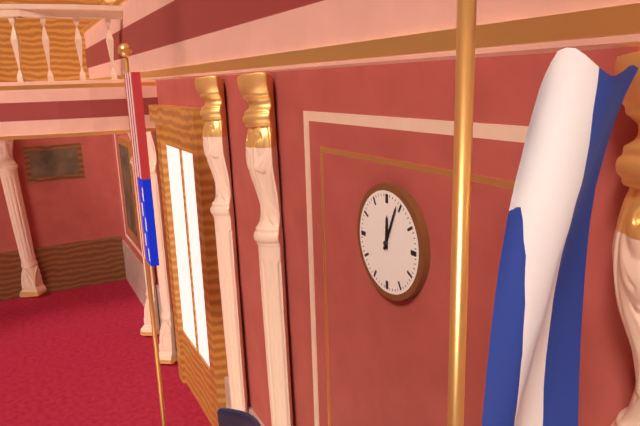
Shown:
12.04
